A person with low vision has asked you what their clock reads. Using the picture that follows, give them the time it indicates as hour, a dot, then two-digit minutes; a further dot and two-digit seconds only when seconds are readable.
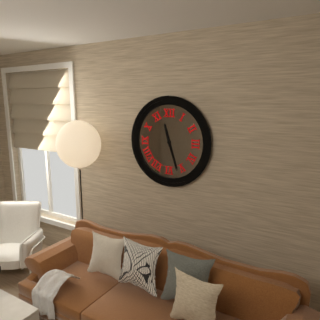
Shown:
11.27
